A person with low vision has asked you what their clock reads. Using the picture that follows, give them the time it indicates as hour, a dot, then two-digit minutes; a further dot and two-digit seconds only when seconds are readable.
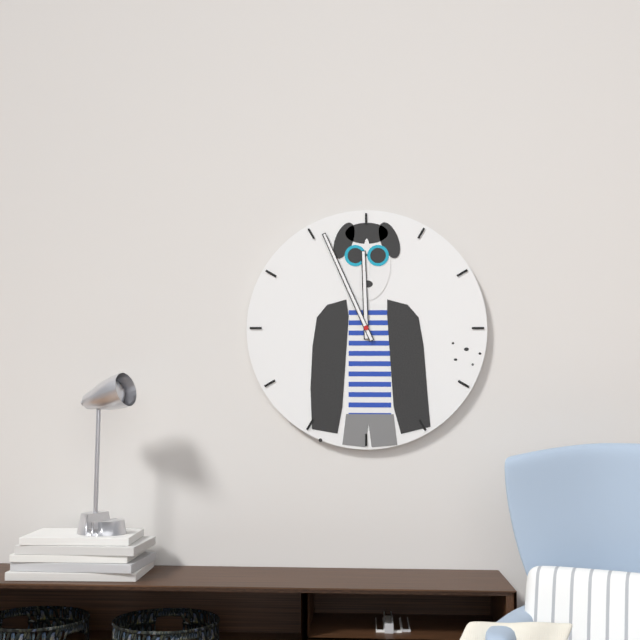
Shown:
11.56
